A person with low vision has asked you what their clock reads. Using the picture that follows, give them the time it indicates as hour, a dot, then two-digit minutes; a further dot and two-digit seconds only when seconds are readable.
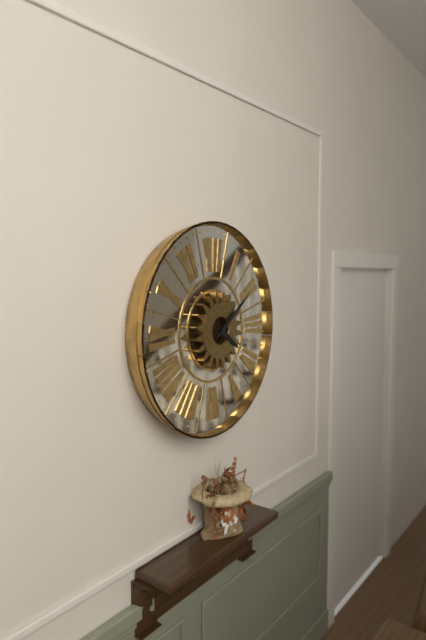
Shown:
4.09
